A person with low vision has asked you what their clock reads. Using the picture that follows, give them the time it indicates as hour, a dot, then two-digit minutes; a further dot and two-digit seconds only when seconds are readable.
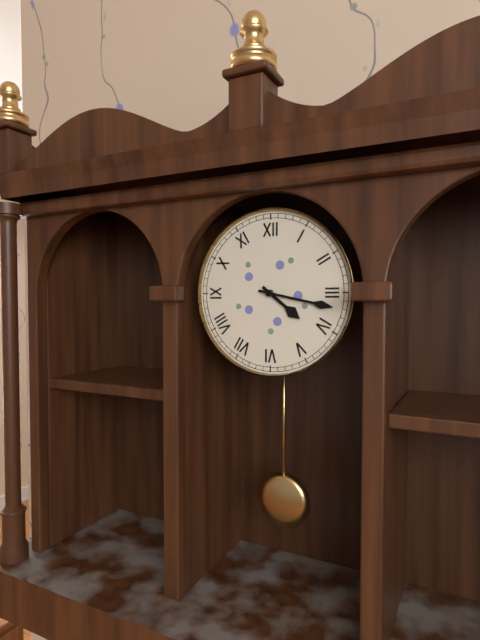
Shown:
4.17
